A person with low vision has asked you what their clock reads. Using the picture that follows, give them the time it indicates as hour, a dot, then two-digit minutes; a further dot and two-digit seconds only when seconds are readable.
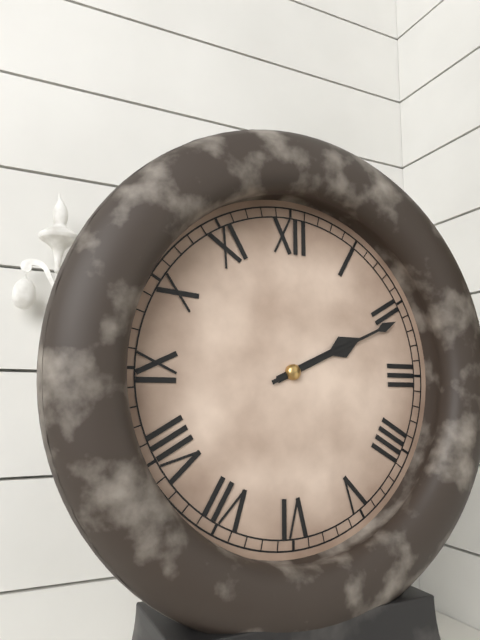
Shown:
2.11
